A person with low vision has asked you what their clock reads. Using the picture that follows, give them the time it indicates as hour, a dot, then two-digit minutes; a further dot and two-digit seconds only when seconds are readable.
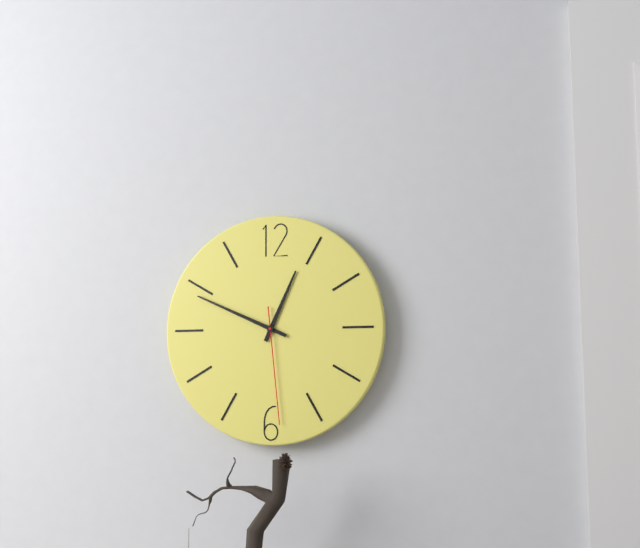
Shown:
12.49.29
